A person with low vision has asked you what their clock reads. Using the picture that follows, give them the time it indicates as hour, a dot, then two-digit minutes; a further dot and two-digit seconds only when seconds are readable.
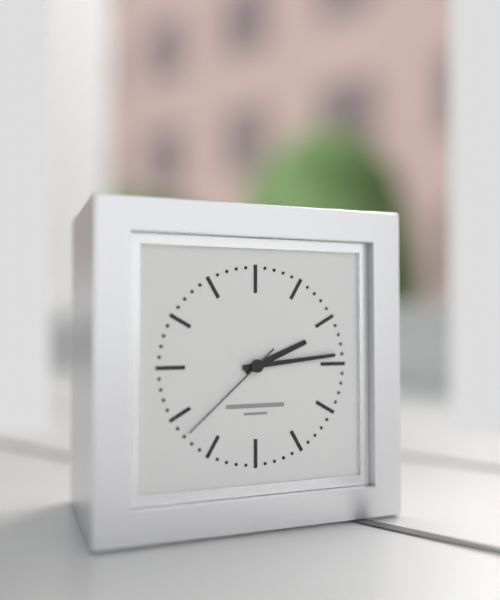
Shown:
2.14.38
